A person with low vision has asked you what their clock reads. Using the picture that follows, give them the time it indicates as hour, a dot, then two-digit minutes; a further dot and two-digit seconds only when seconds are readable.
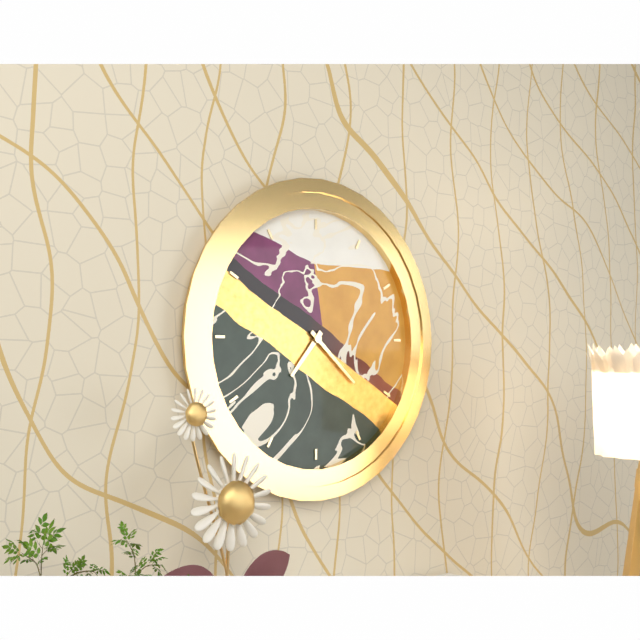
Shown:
7.22
